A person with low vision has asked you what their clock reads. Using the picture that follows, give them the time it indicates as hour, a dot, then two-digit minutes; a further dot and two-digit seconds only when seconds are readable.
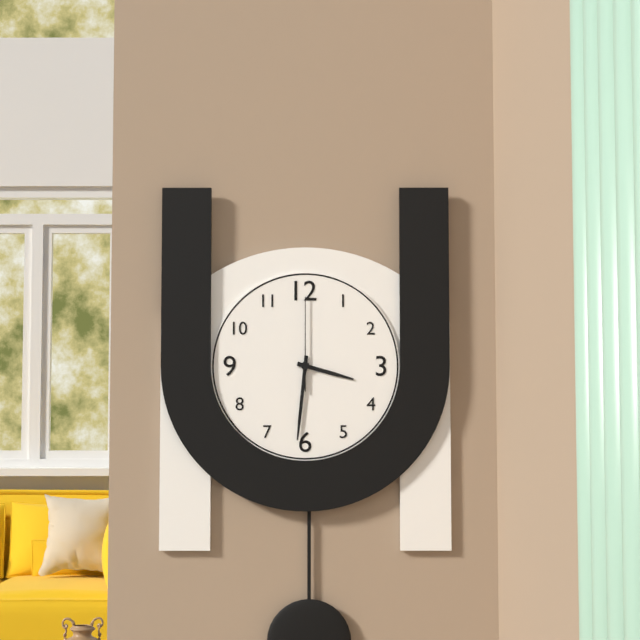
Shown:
3.31.00
